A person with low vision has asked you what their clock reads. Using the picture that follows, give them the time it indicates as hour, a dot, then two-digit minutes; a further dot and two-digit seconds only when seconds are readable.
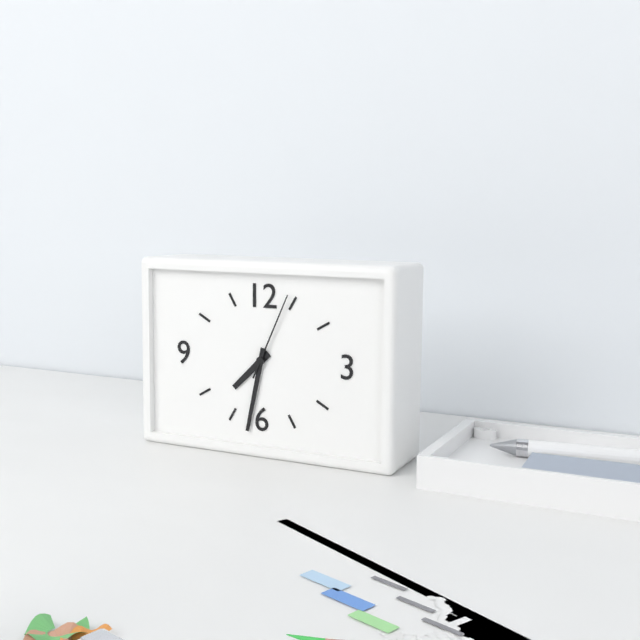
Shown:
7.32.04
